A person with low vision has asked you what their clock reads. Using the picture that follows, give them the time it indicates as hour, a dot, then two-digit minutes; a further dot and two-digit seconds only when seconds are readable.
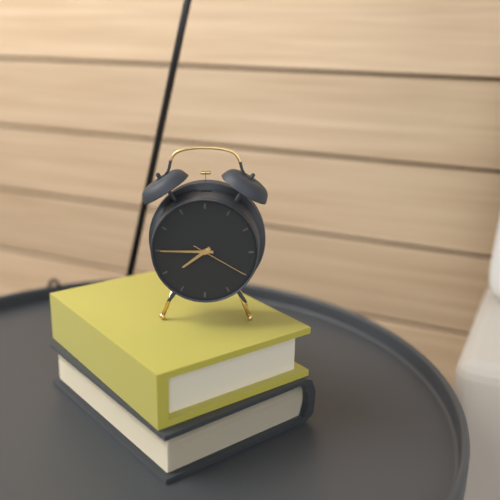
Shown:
7.45.20
